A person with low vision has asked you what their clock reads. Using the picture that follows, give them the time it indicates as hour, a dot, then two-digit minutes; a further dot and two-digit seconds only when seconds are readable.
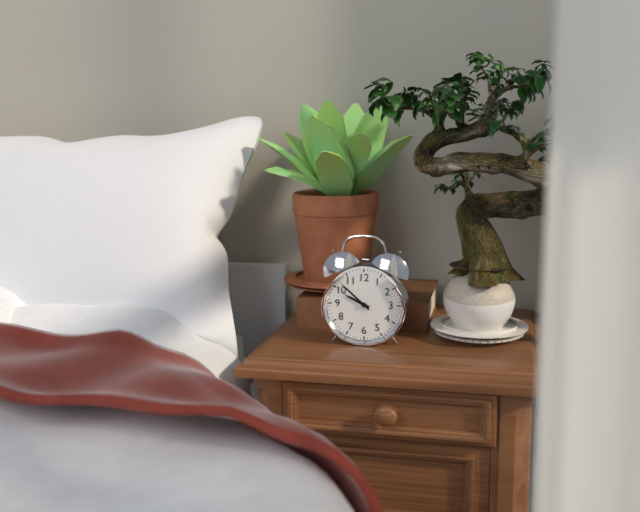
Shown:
9.52
